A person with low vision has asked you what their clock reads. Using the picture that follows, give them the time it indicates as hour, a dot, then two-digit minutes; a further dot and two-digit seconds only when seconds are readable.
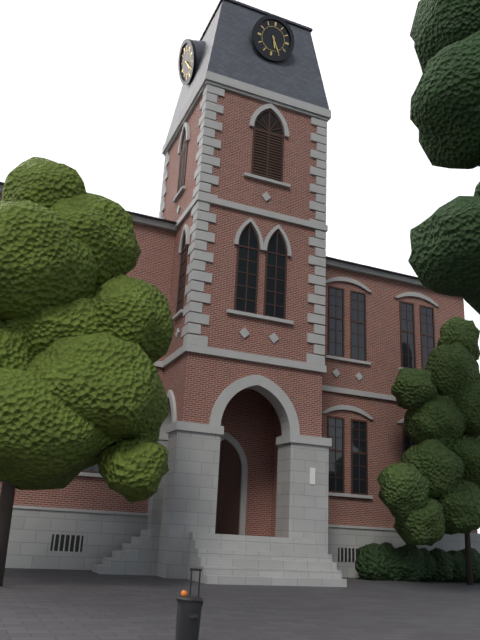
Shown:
5.25
